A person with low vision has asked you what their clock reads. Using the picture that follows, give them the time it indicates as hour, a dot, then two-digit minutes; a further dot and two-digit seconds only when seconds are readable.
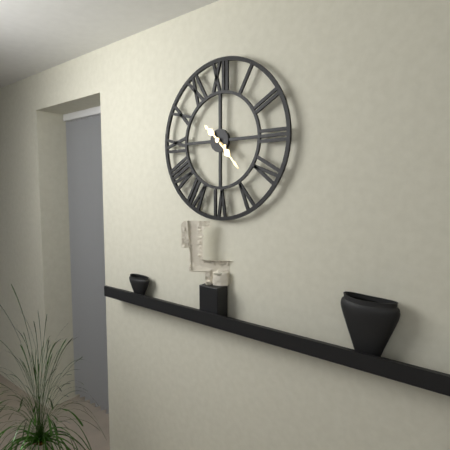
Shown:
10.23
